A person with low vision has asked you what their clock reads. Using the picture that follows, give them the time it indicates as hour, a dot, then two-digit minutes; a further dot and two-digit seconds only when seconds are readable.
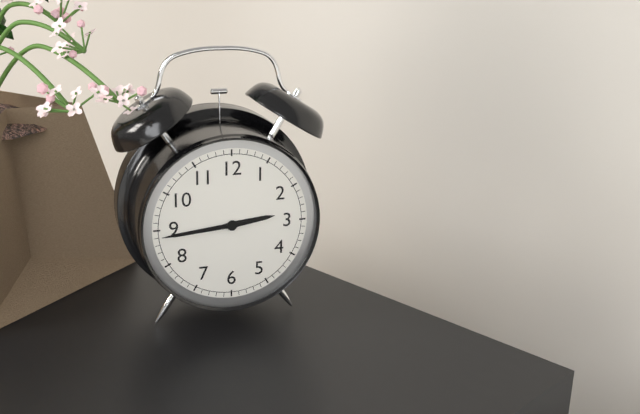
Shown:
2.44
